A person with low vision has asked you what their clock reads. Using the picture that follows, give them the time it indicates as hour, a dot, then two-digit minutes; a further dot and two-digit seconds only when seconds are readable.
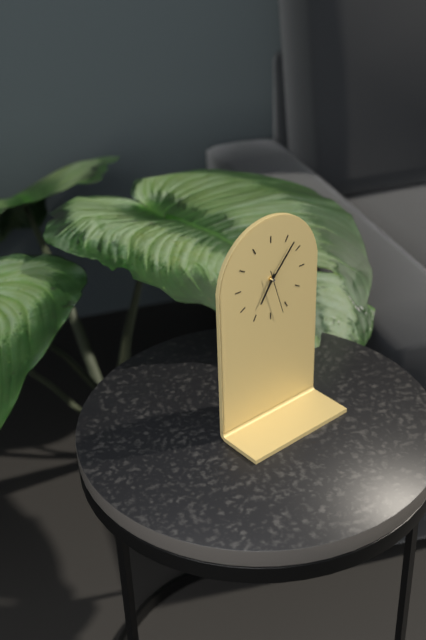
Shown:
7.07
